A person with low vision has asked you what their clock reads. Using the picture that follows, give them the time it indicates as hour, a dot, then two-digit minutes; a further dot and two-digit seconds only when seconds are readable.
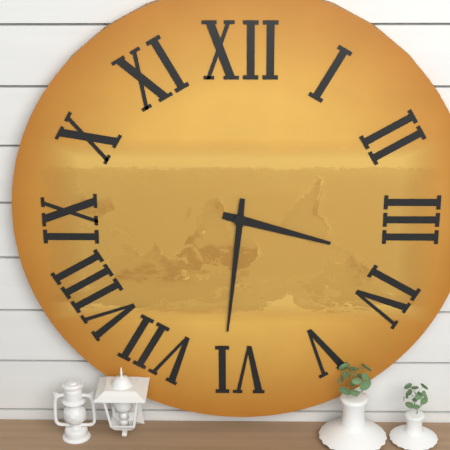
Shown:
3.31
